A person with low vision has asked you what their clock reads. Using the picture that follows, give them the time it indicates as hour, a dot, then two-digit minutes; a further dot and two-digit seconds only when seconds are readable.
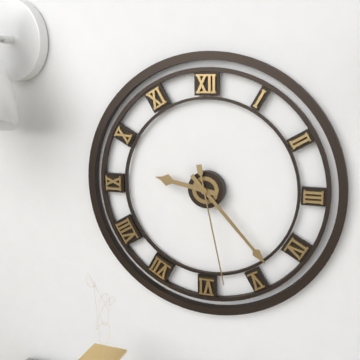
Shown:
9.23.28
